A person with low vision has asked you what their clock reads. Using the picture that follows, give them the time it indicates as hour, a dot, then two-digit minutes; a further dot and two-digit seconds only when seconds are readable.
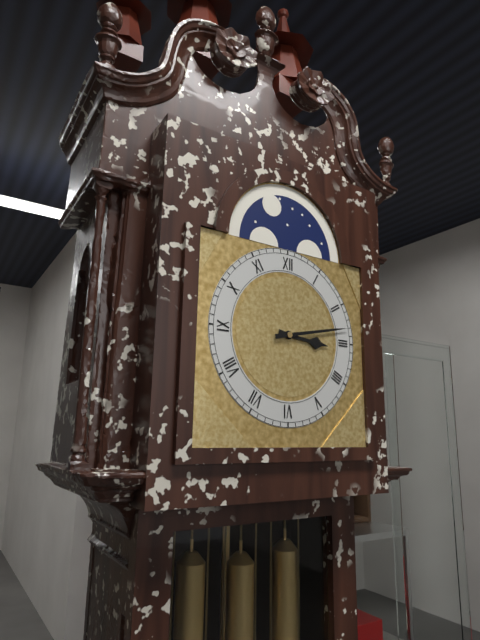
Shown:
3.13
